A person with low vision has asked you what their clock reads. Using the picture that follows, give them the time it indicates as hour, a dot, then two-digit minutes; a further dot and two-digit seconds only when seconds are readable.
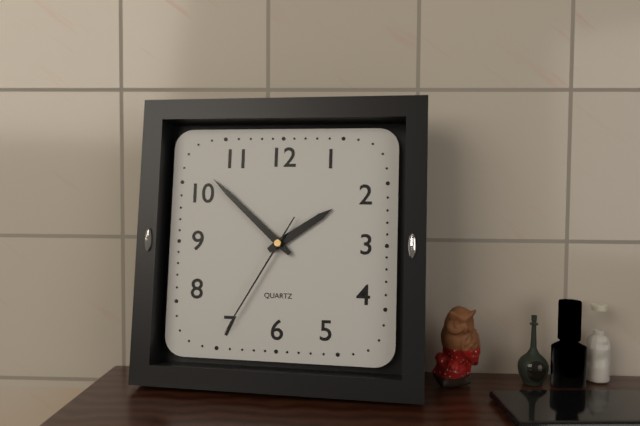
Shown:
1.52.35
